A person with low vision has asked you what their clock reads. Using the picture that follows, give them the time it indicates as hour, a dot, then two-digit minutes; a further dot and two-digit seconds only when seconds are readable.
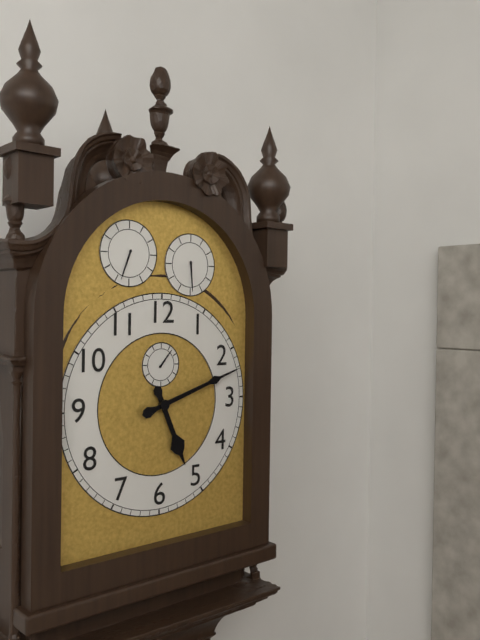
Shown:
5.12
